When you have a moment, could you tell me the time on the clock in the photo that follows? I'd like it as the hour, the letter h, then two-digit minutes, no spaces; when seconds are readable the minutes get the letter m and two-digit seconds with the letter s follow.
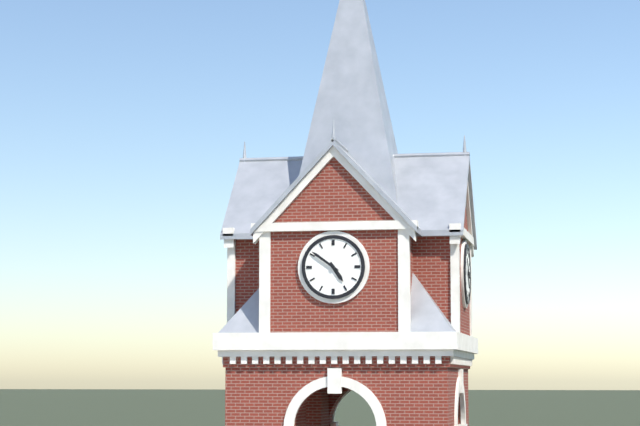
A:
4h51
